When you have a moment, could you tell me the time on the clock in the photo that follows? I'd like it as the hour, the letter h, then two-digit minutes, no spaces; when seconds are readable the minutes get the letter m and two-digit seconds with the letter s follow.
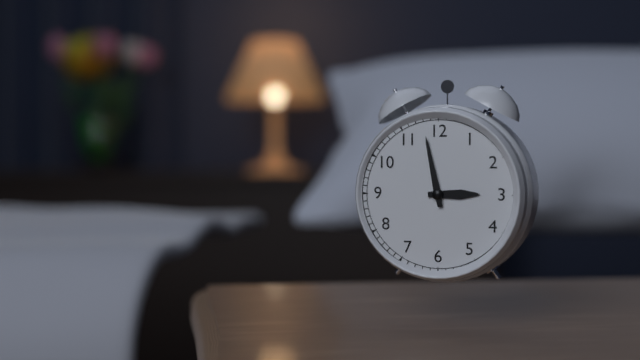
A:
2h58
